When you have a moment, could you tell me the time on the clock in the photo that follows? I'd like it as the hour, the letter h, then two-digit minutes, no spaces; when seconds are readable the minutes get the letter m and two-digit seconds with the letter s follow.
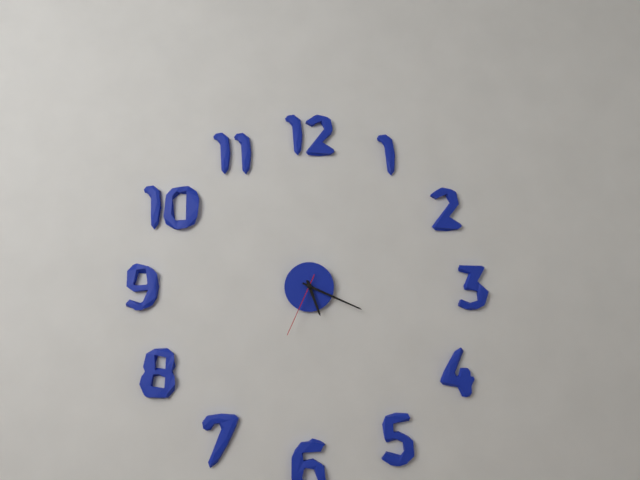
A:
5h19m34s
